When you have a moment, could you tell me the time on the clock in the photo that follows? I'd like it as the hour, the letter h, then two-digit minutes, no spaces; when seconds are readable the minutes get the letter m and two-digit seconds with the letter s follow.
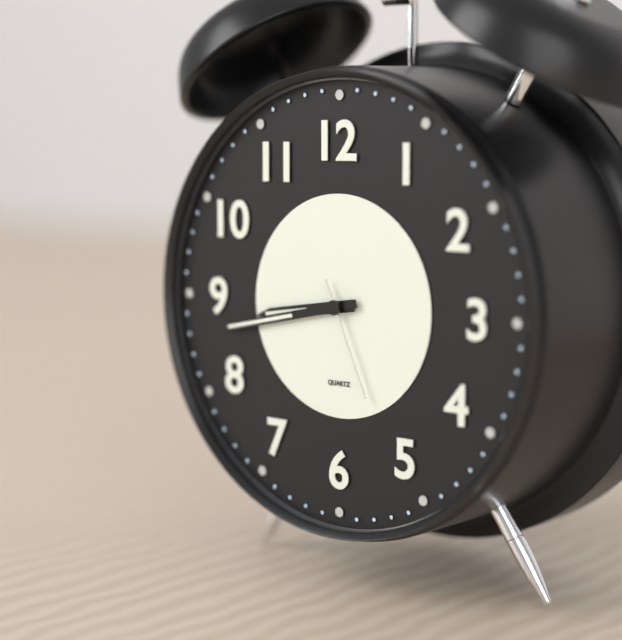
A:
8h43m26s
